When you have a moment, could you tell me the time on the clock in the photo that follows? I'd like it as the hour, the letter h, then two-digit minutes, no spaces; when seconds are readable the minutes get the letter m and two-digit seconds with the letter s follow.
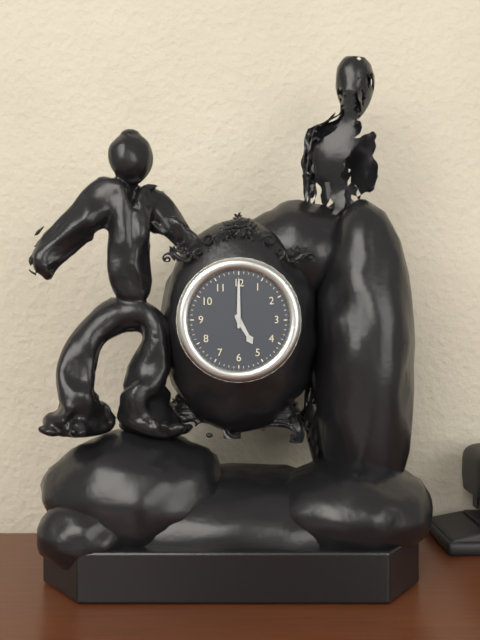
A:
5h00
